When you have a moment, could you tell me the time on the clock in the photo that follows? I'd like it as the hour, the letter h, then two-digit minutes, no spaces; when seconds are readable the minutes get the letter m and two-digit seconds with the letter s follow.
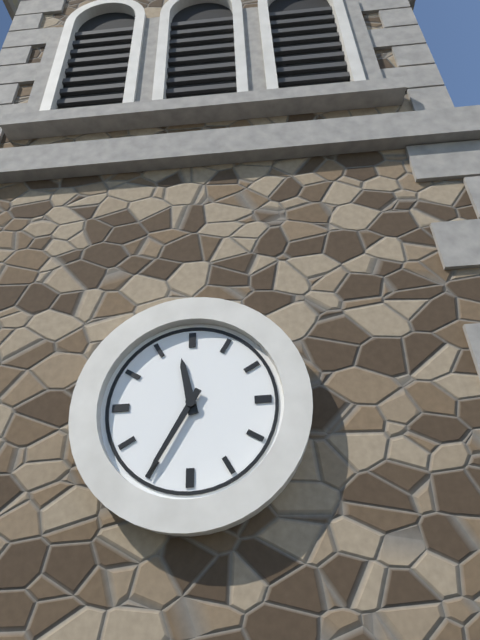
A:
11h35
